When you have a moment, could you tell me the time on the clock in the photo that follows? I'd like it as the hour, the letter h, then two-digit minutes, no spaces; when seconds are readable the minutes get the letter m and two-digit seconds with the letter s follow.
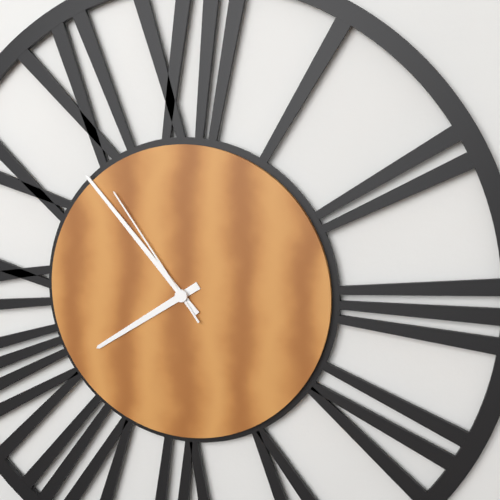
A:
7h53m54s
